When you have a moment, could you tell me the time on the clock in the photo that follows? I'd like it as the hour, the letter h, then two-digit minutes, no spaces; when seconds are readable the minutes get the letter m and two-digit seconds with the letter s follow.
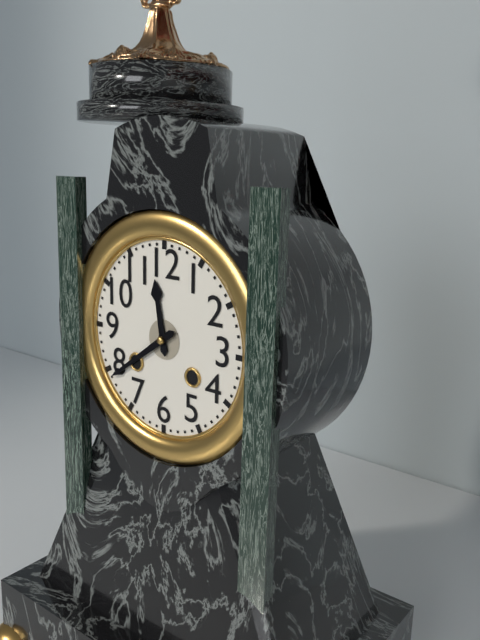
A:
11h39
